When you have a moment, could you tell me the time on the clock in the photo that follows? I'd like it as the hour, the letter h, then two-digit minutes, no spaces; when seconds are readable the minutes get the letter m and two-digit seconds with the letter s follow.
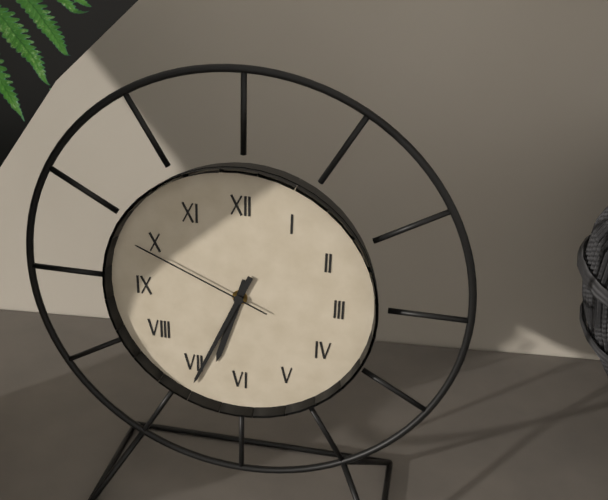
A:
6h34m49s
